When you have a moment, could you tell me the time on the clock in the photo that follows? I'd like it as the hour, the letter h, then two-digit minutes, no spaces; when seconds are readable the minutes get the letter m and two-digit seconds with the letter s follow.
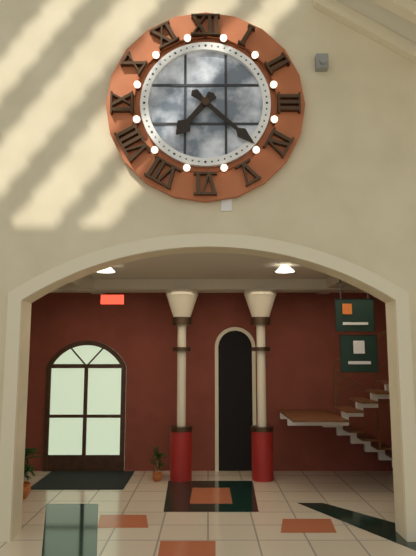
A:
7h22
